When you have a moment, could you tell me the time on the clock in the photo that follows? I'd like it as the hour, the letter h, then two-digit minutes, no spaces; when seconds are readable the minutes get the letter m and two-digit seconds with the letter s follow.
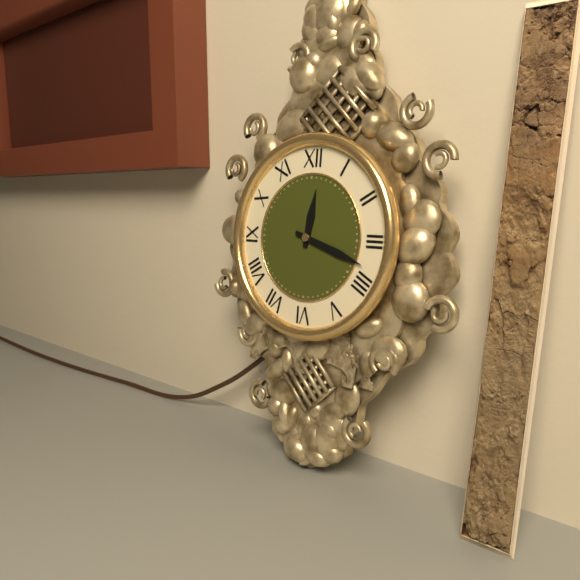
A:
12h18
